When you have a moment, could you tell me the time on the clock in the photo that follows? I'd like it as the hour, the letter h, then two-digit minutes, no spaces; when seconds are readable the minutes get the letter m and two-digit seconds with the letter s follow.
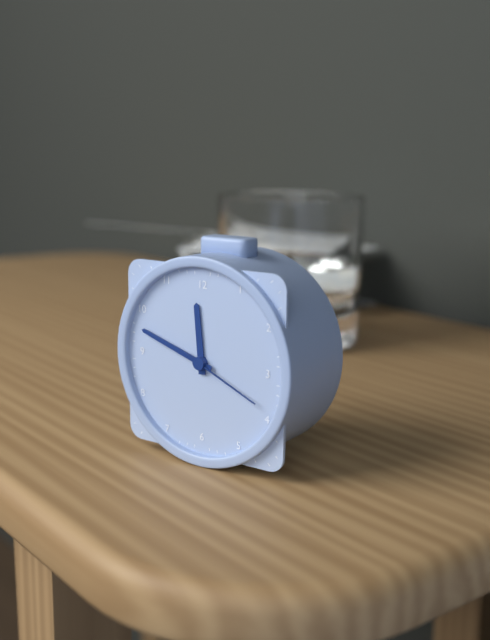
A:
11h48m19s
